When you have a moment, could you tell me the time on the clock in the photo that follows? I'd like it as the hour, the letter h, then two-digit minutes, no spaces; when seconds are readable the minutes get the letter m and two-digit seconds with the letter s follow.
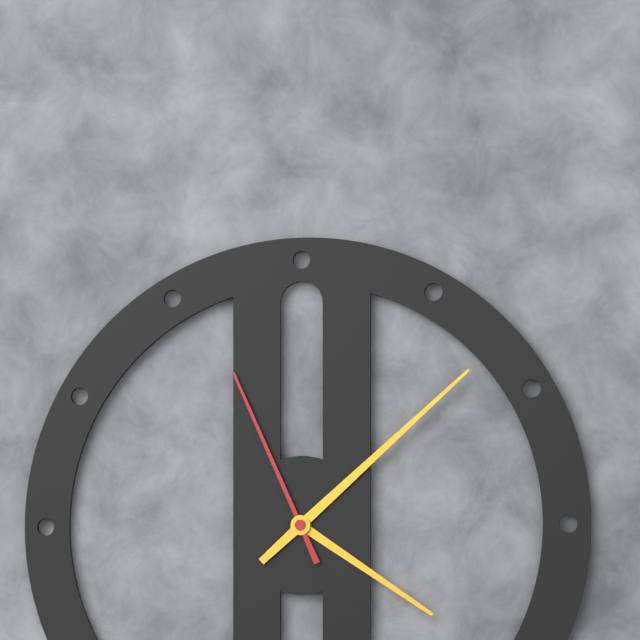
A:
4h08m56s
